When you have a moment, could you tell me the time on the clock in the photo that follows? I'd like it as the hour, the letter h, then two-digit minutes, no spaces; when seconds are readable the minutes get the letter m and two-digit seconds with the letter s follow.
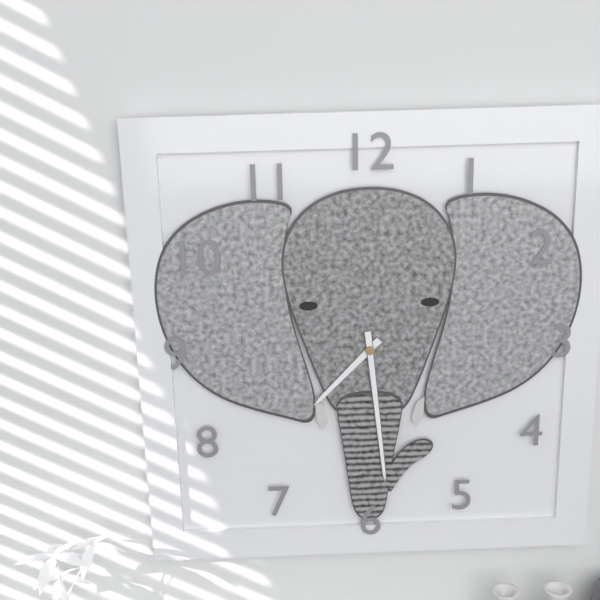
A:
7h29
